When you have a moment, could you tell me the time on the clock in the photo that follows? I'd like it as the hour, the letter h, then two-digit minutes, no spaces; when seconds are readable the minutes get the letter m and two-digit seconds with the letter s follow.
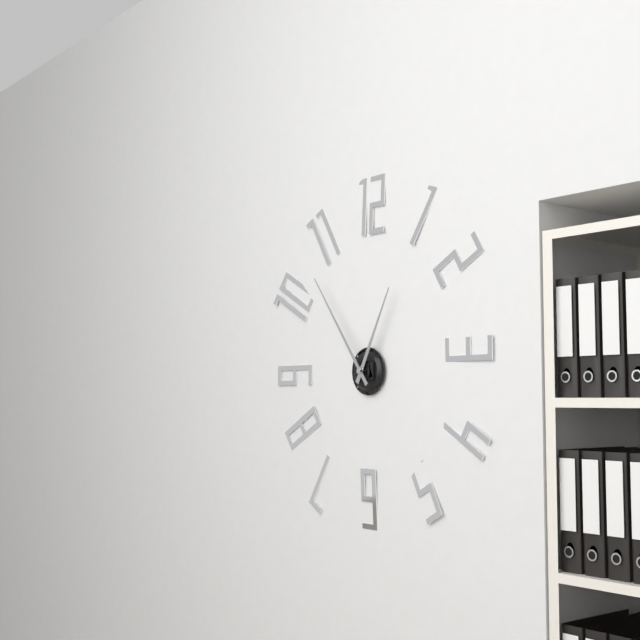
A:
12h54
